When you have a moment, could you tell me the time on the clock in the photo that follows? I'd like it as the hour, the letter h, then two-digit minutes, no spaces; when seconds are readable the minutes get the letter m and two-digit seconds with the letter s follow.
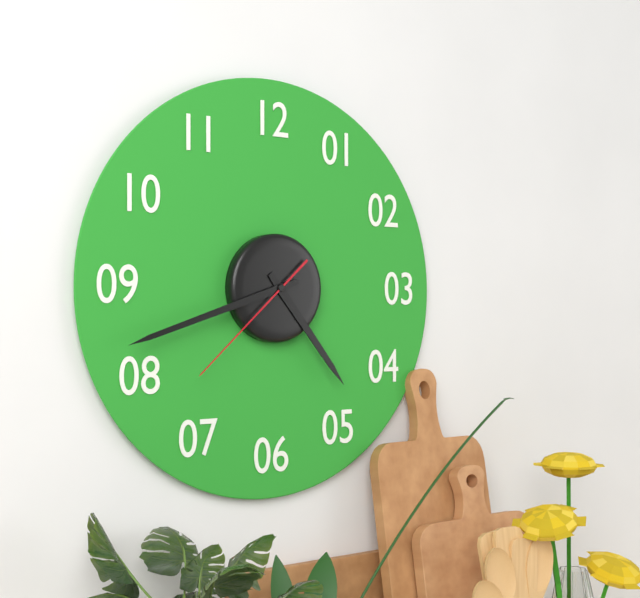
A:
4h42m38s
